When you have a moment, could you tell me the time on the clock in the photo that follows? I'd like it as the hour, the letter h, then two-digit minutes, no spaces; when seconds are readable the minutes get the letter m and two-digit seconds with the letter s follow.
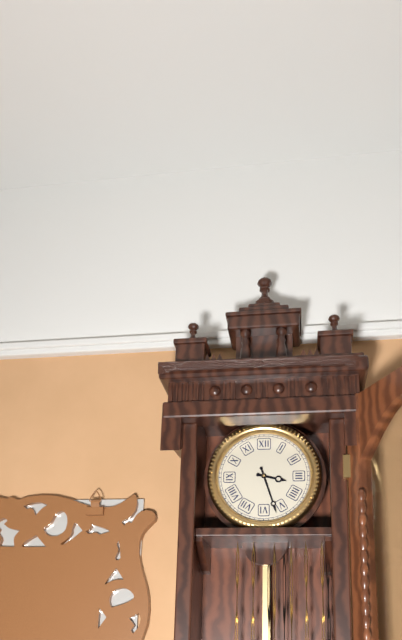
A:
3h27
